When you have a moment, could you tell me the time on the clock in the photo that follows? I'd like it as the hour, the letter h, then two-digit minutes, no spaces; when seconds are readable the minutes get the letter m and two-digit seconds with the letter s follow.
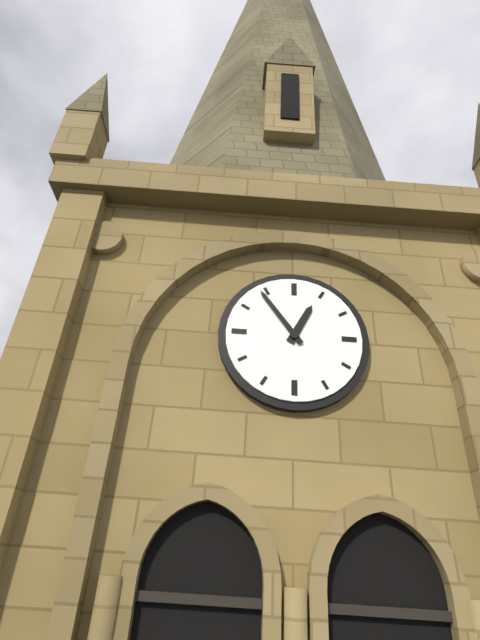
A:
12h54
